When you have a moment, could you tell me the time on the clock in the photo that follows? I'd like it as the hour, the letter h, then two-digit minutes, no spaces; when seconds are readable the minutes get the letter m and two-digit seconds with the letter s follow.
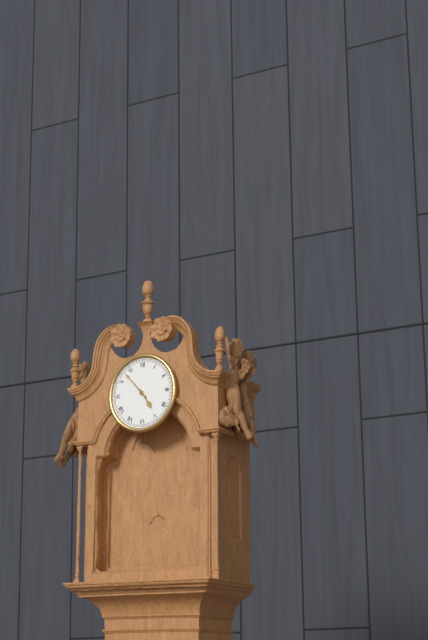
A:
4h53
